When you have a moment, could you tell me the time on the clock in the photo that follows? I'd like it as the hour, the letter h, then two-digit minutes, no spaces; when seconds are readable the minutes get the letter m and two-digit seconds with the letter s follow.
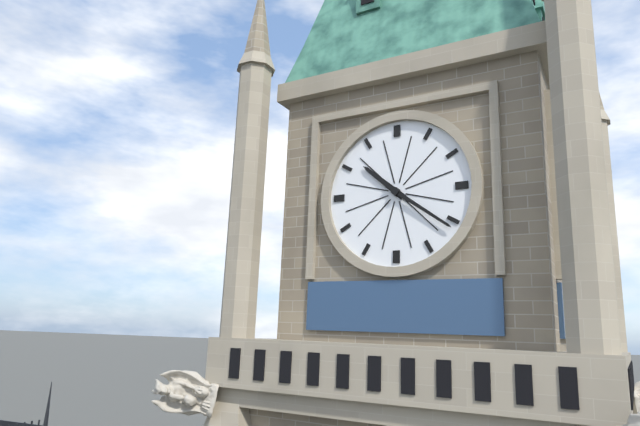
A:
10h21
